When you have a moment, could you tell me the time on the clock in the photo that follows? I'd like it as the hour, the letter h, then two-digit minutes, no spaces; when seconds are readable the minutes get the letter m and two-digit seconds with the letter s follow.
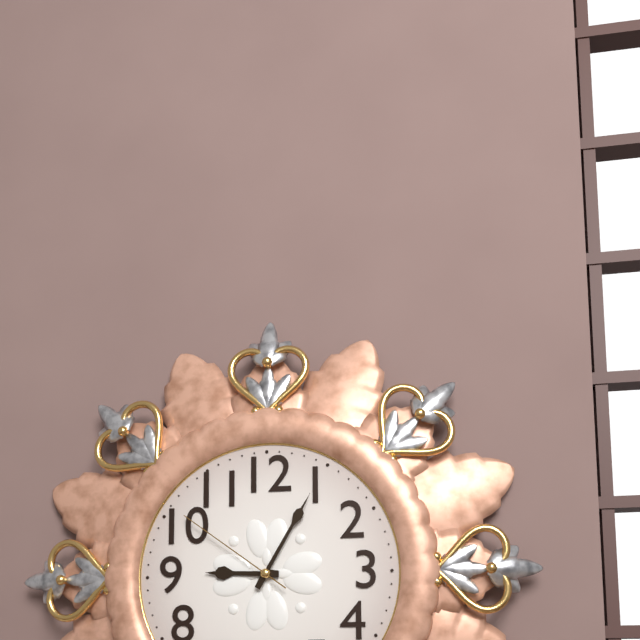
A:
9h05m51s
